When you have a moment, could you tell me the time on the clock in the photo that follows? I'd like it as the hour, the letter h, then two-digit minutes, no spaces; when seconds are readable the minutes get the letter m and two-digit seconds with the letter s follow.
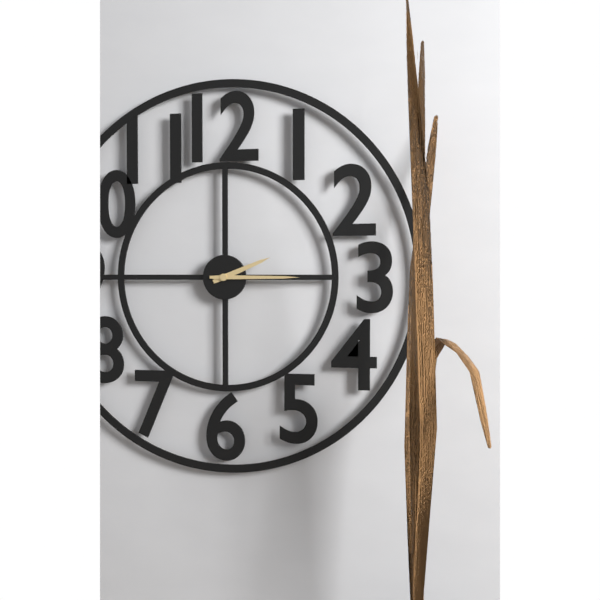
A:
2h15
